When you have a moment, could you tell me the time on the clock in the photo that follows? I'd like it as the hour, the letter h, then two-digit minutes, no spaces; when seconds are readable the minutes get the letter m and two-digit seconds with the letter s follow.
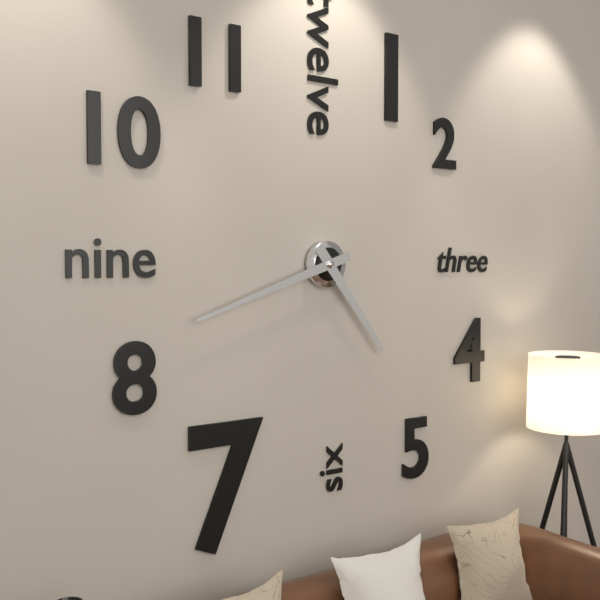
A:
4h42
